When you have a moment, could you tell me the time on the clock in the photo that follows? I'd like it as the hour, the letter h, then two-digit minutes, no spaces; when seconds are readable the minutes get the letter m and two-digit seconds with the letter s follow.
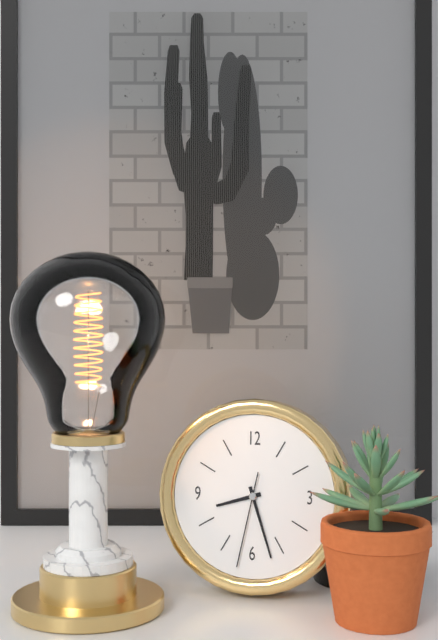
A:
8h27m32s
